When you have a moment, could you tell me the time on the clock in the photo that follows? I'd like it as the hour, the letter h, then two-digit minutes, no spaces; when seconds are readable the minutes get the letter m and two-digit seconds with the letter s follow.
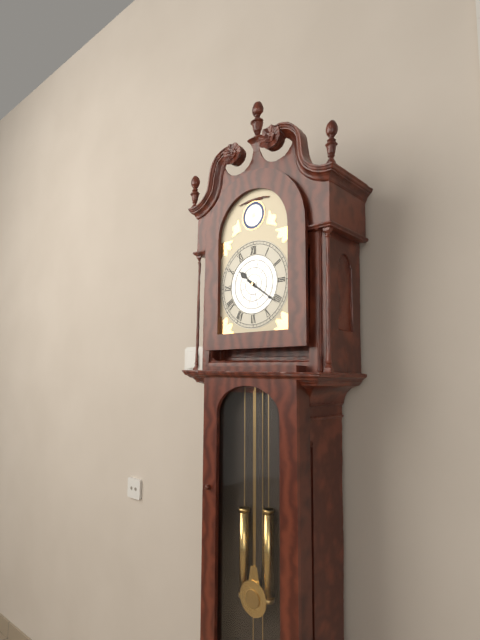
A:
10h21
